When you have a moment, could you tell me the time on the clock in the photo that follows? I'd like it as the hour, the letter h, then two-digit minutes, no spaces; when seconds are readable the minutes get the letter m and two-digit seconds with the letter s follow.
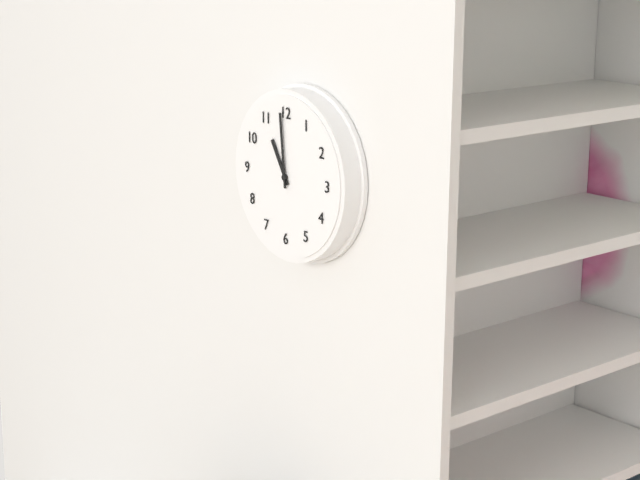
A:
10h59
